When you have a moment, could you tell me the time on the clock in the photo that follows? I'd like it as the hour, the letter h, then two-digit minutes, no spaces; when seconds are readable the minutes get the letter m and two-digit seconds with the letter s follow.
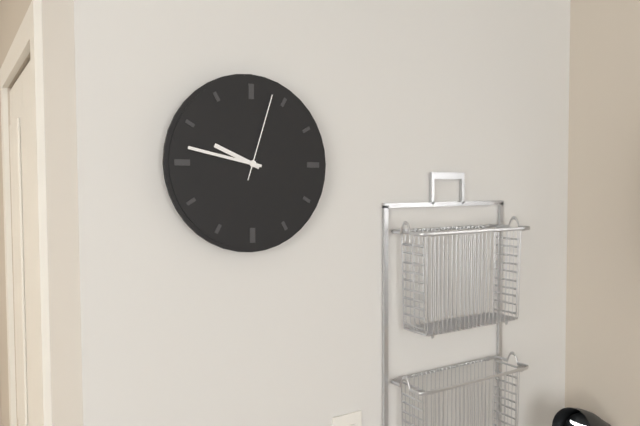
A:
9h47m03s
